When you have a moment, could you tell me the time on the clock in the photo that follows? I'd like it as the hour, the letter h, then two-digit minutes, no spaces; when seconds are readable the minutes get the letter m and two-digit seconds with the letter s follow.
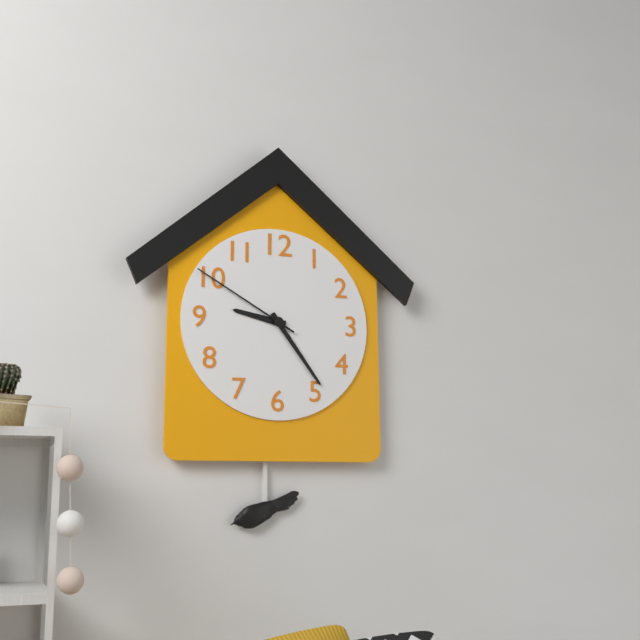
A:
9h24m50s
